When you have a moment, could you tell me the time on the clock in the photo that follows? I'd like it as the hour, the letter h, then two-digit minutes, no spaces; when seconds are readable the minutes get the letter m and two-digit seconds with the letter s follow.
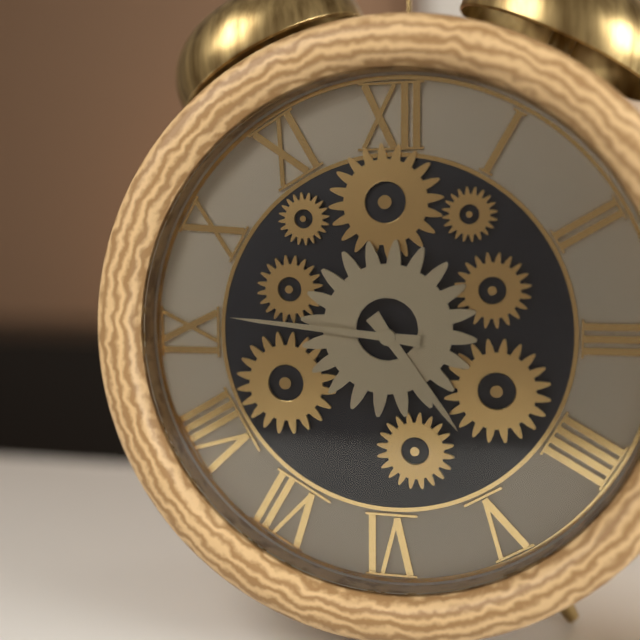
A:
4h46
